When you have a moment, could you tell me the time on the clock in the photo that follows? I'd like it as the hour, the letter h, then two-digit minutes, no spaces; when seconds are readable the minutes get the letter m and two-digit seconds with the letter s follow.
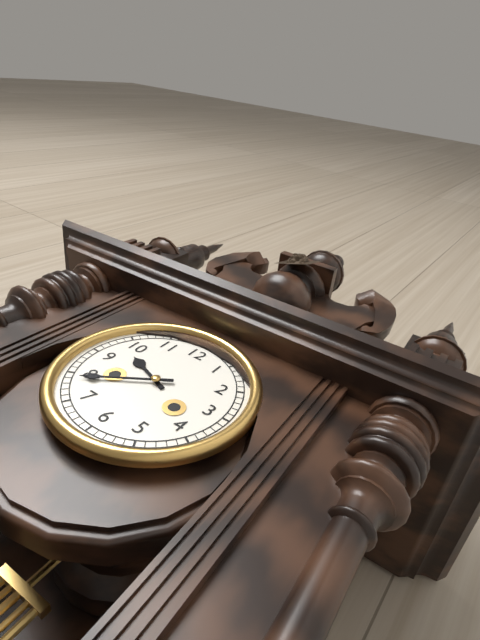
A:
9h39
